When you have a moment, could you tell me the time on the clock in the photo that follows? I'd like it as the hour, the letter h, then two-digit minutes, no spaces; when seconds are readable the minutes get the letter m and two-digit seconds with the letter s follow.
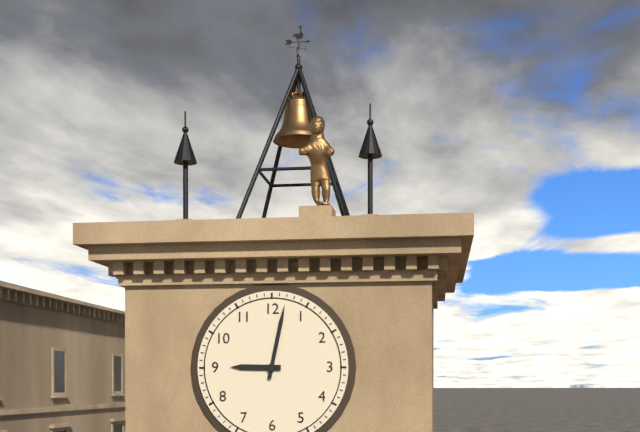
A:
9h02
